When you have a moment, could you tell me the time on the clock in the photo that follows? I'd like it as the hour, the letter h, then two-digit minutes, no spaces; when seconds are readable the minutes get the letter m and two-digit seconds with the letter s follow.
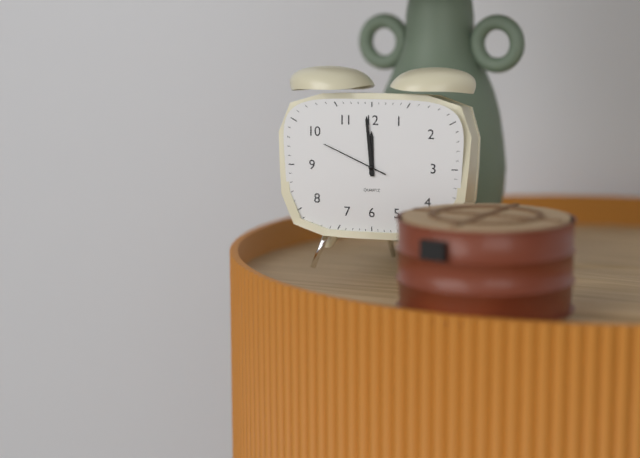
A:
11h59m49s
